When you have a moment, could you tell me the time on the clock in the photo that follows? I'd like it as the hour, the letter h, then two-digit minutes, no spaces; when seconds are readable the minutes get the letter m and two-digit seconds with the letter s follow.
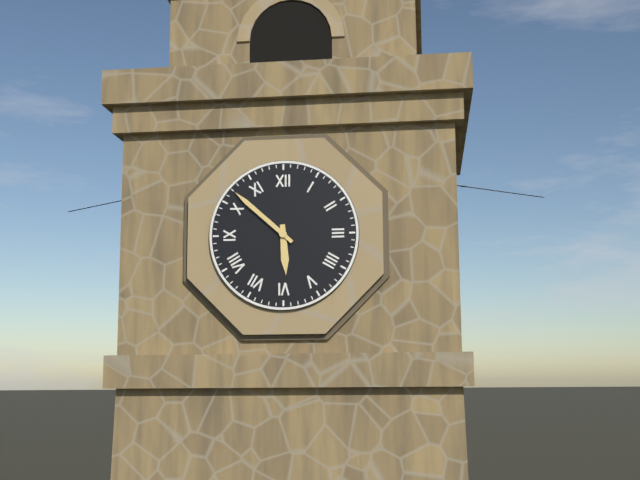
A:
5h52
